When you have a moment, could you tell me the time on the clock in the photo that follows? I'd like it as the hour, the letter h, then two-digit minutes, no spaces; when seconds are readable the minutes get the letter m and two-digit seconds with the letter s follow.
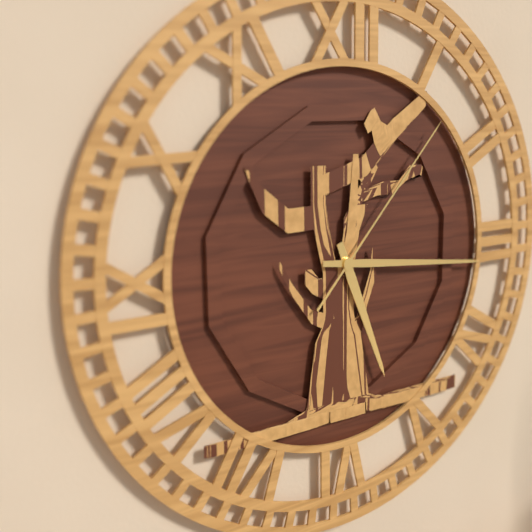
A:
5h16m07s
